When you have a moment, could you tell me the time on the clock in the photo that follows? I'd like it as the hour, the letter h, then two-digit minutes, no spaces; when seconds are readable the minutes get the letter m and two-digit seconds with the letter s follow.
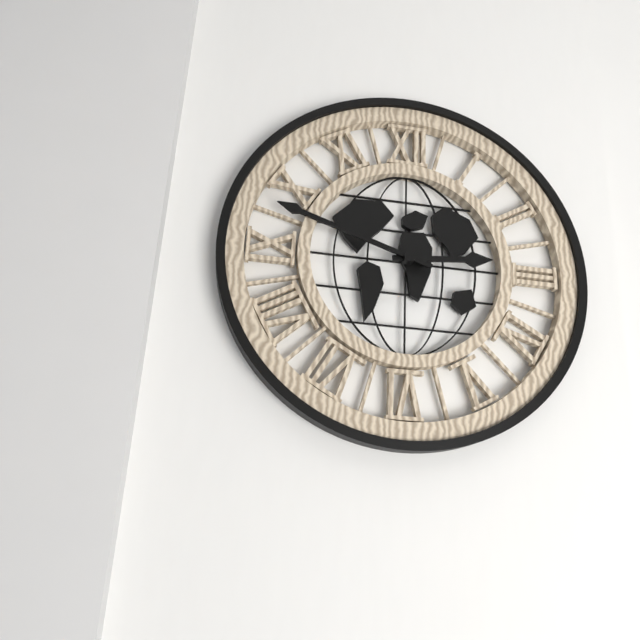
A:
2h48
